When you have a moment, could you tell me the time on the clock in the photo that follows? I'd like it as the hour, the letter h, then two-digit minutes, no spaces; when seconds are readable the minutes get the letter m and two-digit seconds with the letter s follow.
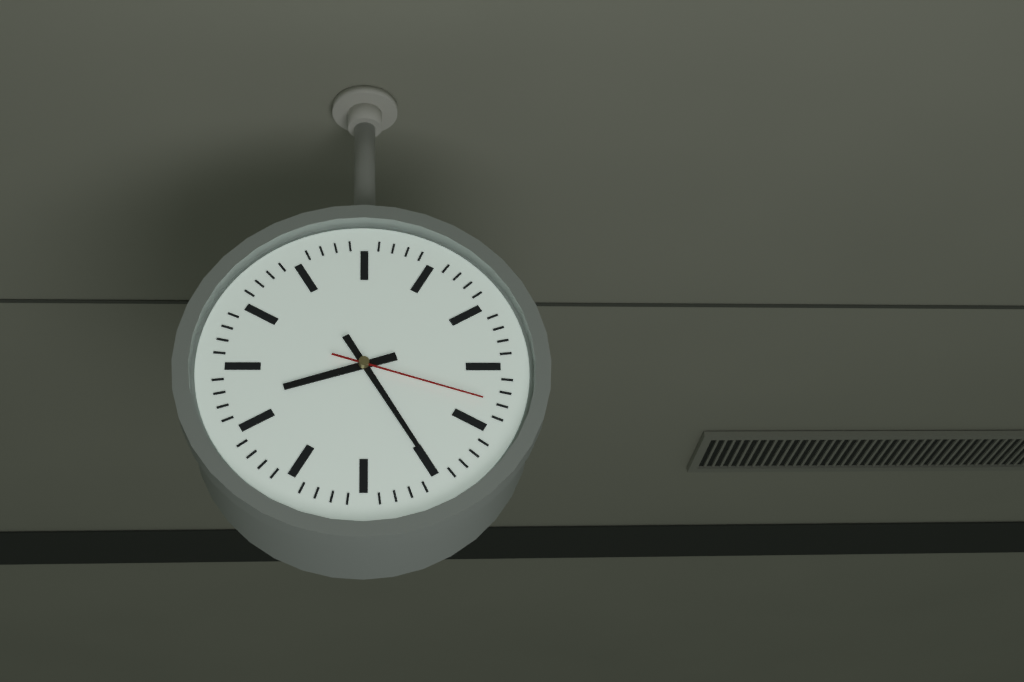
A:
8h25m18s
